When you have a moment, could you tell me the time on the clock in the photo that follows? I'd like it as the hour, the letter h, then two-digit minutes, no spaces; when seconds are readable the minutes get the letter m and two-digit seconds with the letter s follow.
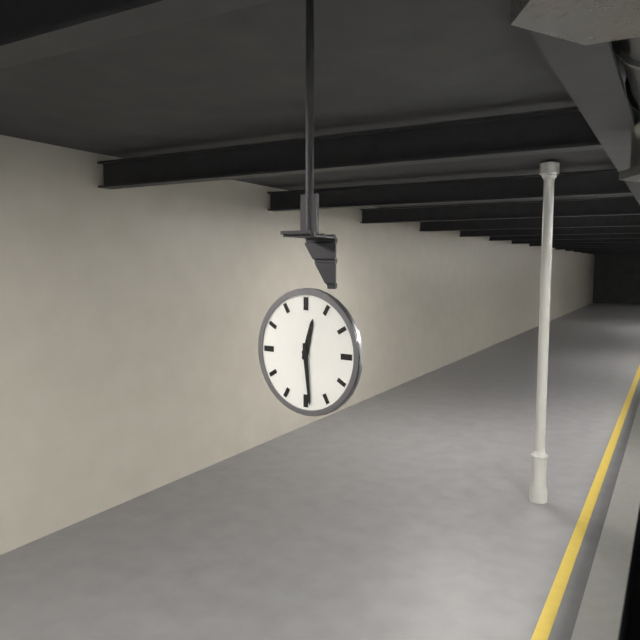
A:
12h29
